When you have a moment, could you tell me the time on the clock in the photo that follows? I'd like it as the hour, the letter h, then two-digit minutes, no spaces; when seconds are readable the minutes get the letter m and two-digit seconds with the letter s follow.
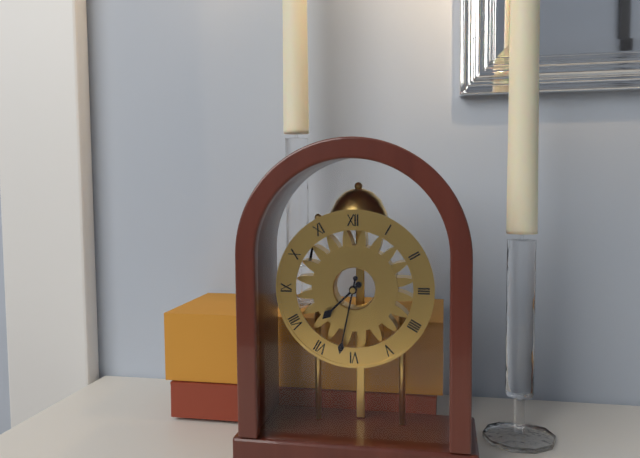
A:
7h32
